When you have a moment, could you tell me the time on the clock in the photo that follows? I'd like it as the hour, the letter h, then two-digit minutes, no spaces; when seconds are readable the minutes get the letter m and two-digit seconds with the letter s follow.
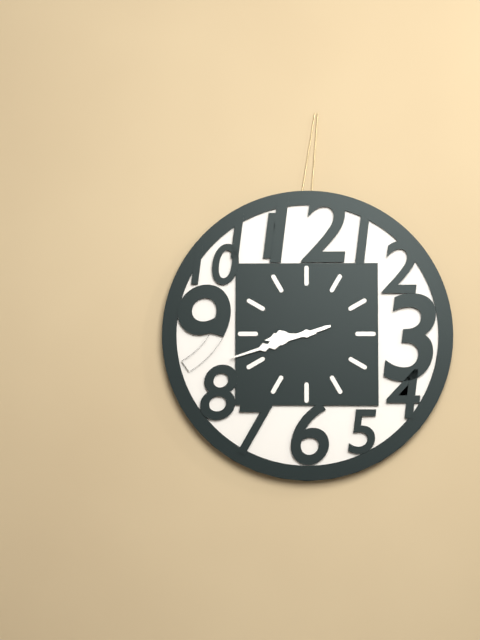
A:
8h42
